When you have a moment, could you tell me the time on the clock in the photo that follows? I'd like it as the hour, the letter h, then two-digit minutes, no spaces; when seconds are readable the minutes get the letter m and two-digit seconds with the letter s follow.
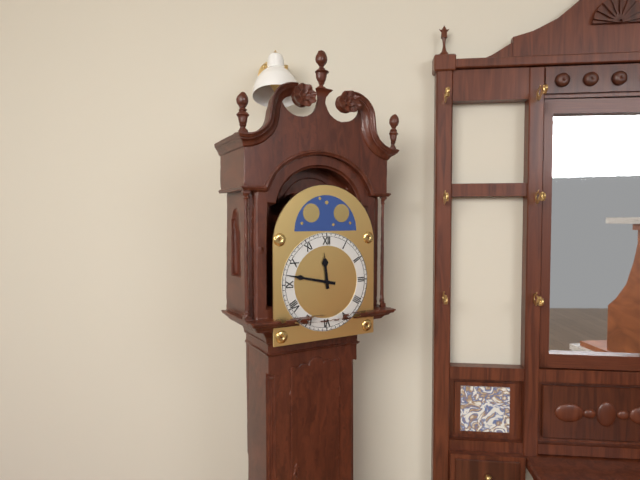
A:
11h47
